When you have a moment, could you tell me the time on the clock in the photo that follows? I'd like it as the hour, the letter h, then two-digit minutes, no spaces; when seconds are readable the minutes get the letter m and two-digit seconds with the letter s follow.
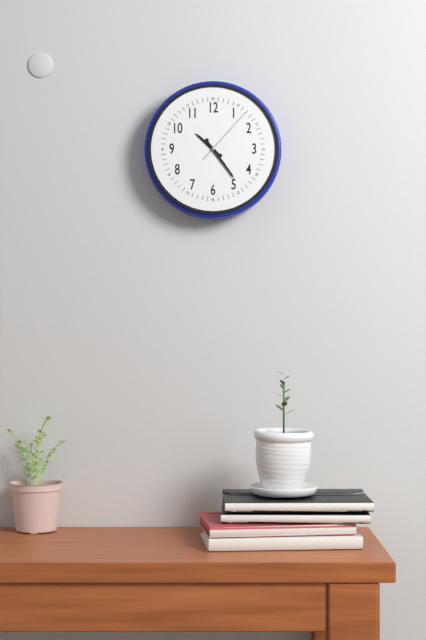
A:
10h24m07s
